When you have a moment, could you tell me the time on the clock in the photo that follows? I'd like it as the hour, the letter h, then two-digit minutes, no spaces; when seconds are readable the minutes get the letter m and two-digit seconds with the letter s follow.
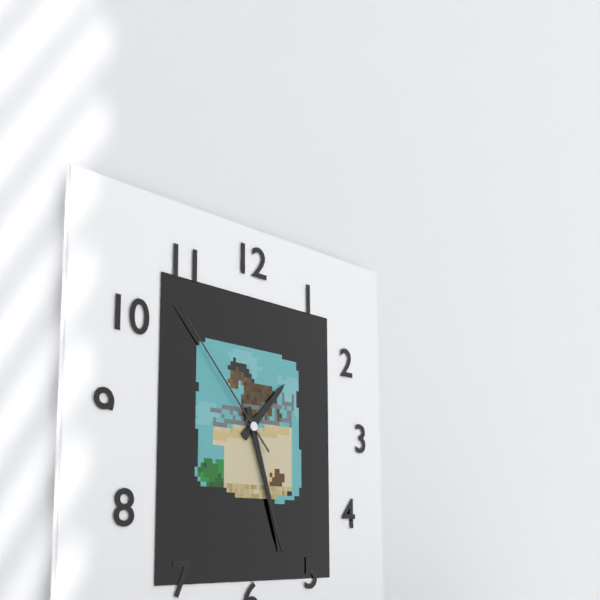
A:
1h27m53s
